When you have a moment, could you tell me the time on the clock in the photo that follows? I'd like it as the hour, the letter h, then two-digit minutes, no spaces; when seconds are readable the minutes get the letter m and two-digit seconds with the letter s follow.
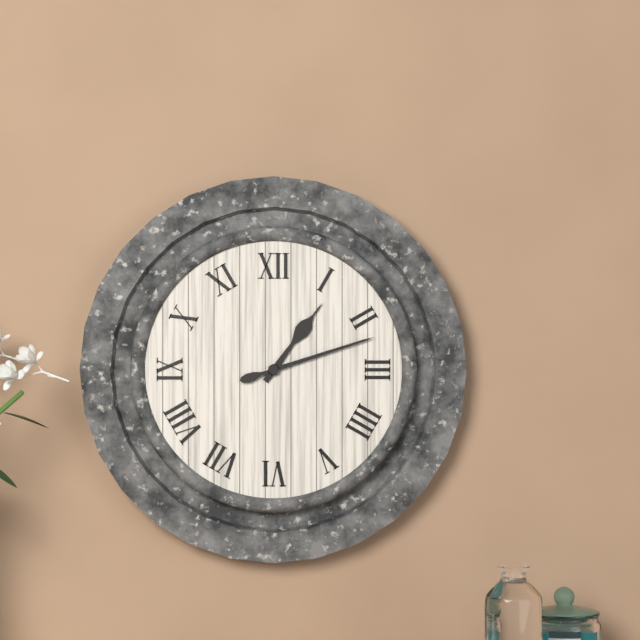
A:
1h12
